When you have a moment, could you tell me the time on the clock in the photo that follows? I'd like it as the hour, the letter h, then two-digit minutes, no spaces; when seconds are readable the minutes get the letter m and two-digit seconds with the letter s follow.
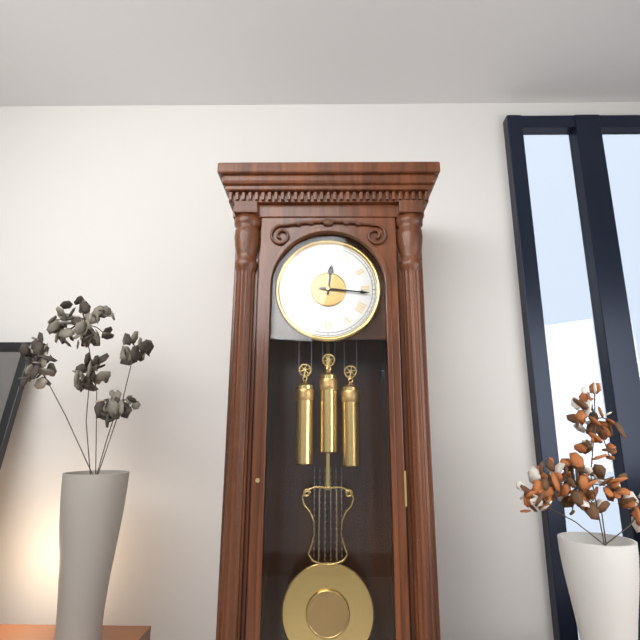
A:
12h16
